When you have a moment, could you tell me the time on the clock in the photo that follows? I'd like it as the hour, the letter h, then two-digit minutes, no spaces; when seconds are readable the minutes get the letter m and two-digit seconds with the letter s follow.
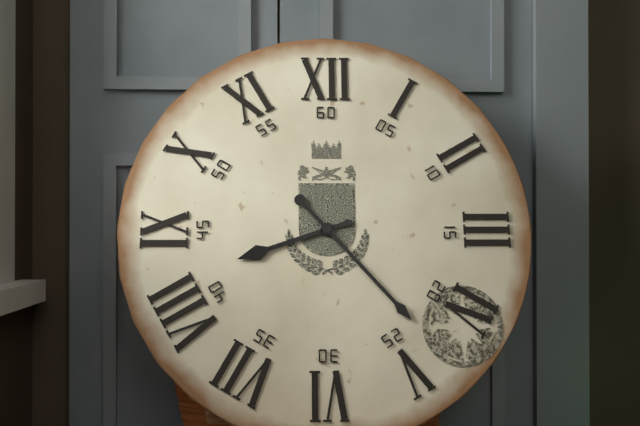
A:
8h23
